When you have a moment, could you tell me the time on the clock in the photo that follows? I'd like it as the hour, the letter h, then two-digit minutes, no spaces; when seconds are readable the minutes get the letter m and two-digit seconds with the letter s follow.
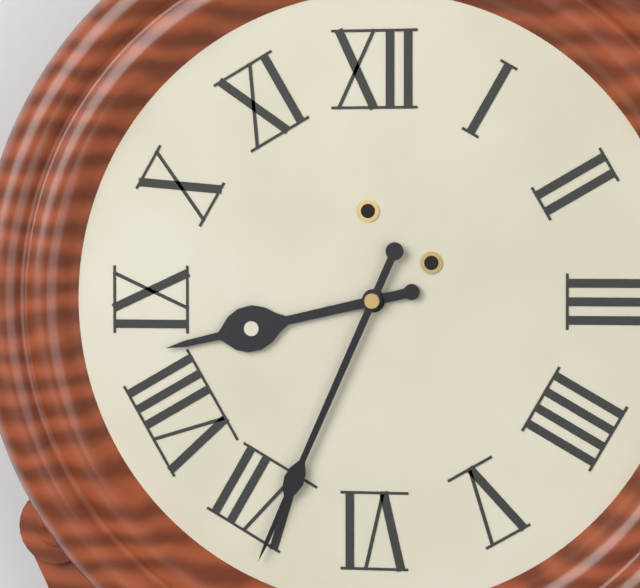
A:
8h34
